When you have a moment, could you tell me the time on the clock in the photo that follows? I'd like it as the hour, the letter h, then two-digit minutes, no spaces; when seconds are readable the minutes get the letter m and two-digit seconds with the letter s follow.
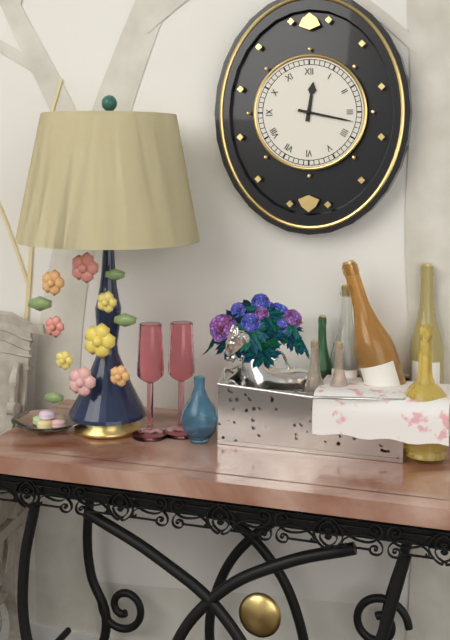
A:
12h17
